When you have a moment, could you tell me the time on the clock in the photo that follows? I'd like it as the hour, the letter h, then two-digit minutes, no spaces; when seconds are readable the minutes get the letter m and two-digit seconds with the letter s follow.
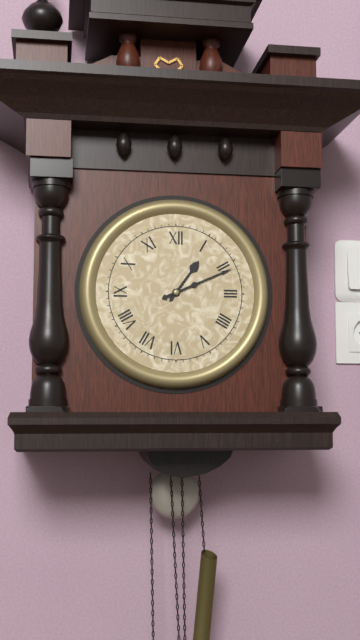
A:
1h11
